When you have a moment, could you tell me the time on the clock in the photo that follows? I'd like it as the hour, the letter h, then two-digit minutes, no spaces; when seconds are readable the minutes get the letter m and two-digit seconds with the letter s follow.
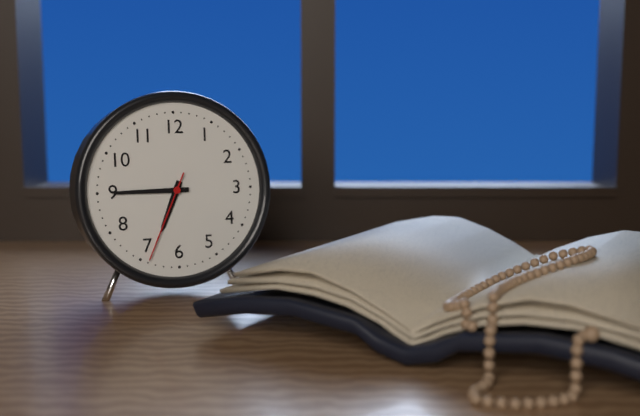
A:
6h45m34s
